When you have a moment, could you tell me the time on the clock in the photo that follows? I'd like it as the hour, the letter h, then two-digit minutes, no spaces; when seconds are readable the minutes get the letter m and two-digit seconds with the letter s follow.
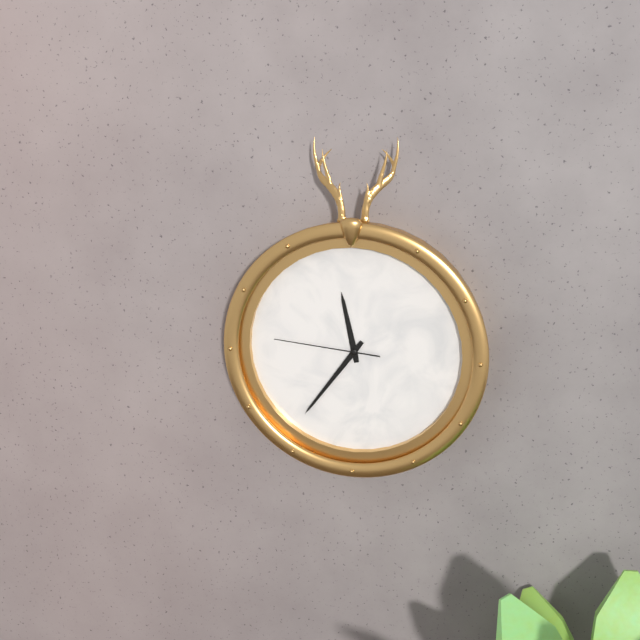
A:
11h36m46s
